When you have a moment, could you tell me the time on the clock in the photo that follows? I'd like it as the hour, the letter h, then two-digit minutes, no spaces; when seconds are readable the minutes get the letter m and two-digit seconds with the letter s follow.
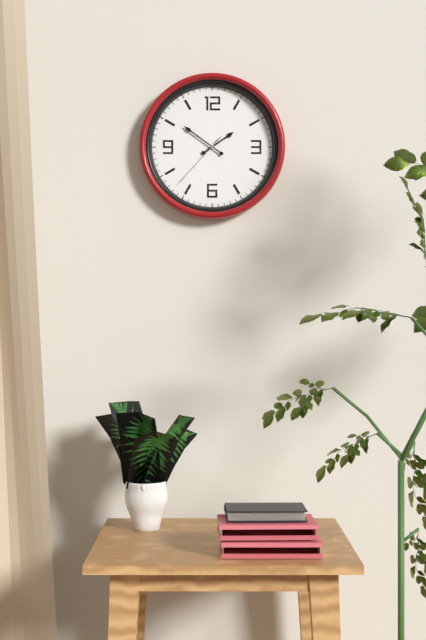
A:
1h51m37s
